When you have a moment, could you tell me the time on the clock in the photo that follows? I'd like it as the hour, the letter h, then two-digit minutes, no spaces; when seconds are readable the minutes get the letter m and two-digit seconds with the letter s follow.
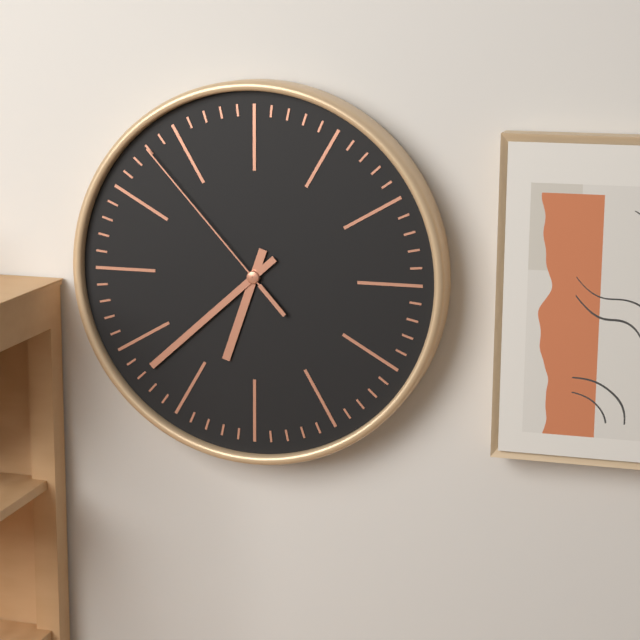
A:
6h38m53s
